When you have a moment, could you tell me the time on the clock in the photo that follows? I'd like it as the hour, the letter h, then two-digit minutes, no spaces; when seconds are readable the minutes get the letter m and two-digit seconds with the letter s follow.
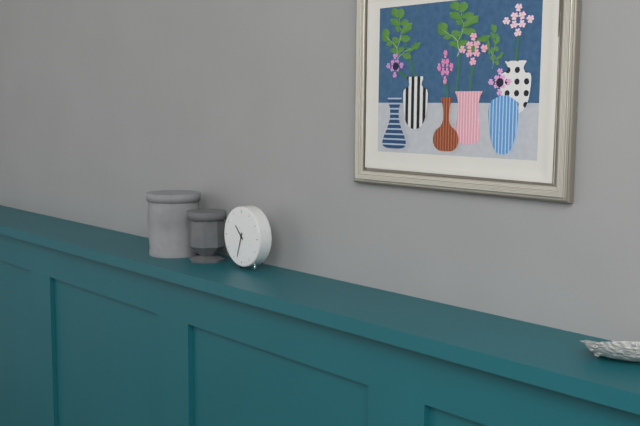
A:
10h33
